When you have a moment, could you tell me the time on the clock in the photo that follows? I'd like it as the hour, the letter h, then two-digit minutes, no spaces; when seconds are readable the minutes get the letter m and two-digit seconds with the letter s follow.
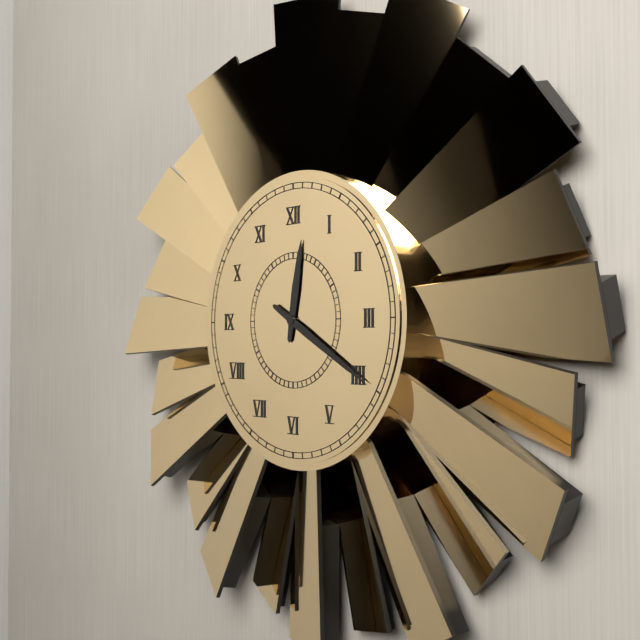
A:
12h20
